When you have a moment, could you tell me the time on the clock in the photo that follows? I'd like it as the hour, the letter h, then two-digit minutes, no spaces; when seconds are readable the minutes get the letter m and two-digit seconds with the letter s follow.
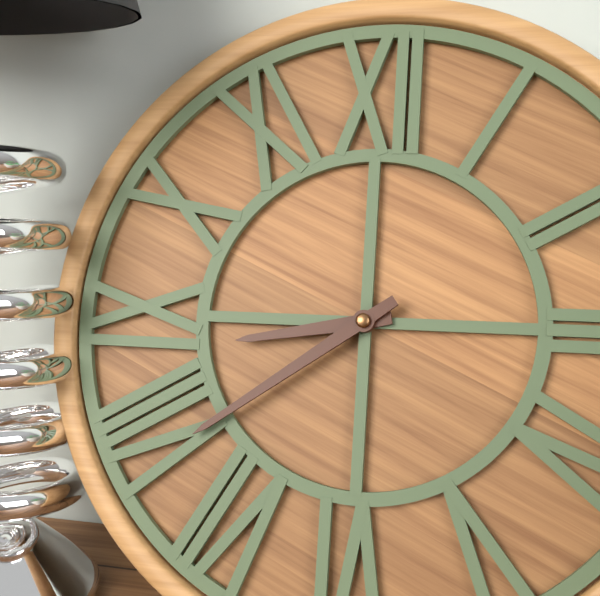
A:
8h39
